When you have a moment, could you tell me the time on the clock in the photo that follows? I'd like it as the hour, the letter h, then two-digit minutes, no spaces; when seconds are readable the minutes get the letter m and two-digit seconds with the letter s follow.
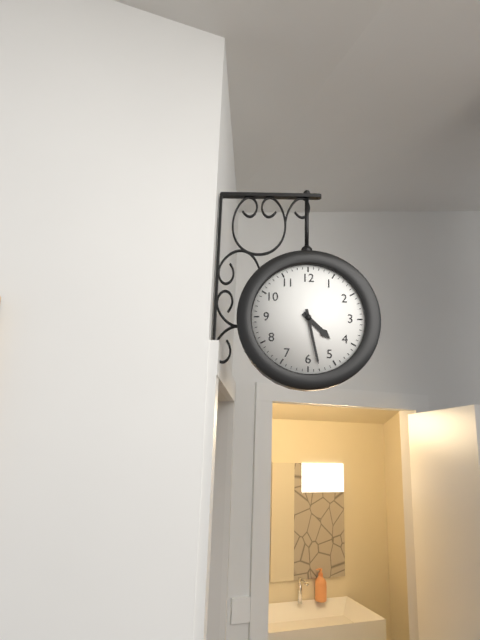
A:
4h28
